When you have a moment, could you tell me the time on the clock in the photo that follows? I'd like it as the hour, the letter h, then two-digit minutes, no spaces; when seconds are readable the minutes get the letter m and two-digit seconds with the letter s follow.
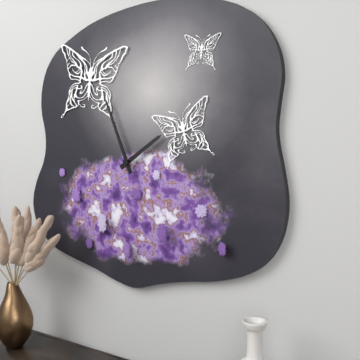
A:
1h56
